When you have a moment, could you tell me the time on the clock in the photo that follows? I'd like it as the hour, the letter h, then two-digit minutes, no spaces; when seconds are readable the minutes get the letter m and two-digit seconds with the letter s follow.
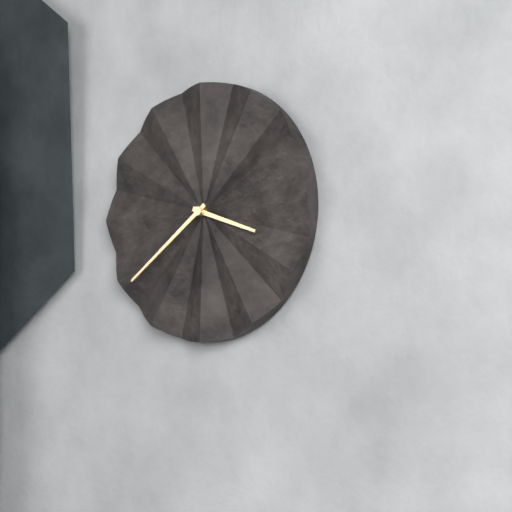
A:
3h39
